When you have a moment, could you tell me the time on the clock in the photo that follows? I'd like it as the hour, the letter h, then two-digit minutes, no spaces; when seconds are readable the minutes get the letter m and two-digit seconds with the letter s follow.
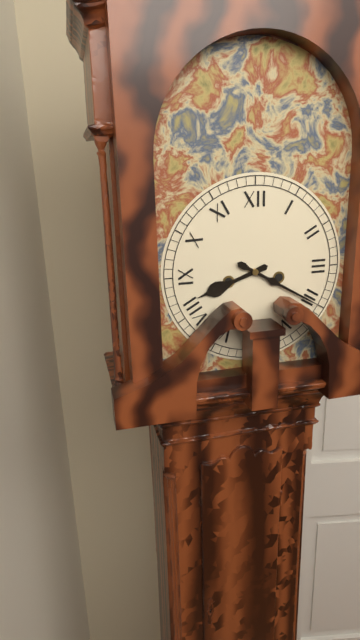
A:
8h20
